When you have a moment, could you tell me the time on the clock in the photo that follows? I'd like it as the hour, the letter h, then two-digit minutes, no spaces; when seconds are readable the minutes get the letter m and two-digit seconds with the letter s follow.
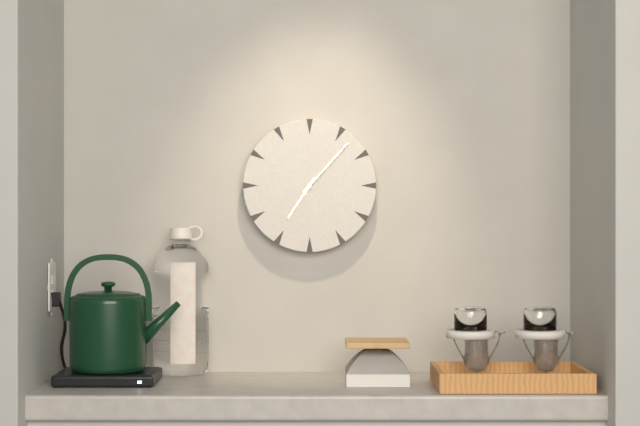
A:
7h07
